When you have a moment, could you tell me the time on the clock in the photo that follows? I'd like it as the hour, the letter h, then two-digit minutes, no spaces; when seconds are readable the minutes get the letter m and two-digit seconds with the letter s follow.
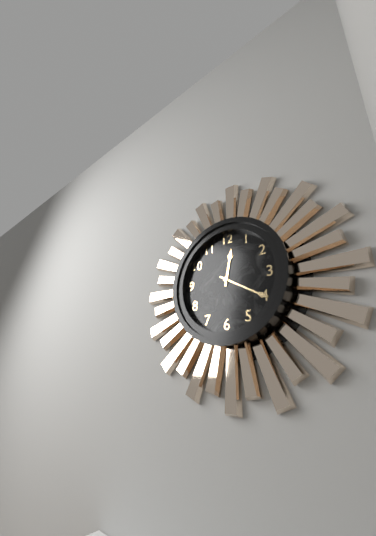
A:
12h20
